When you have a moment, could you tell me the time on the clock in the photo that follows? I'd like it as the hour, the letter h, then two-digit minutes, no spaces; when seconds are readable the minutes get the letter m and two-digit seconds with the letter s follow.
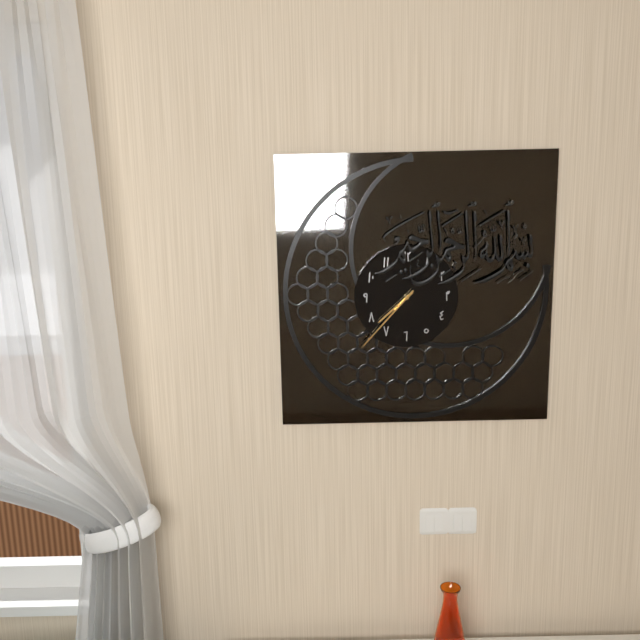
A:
7h37
